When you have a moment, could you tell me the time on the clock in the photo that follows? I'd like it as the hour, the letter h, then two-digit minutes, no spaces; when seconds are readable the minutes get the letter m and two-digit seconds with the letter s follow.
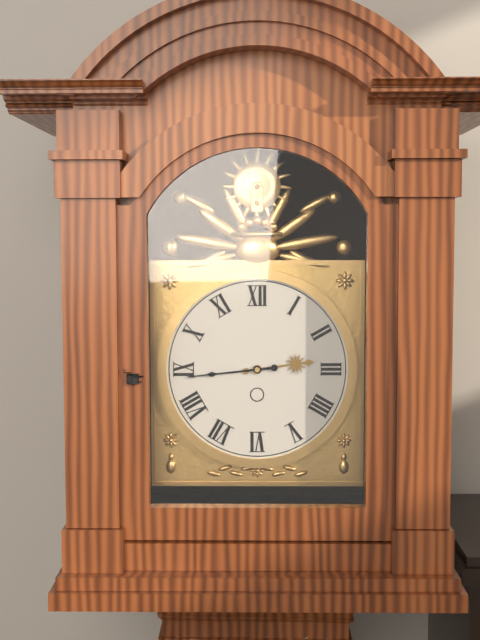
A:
2h44
